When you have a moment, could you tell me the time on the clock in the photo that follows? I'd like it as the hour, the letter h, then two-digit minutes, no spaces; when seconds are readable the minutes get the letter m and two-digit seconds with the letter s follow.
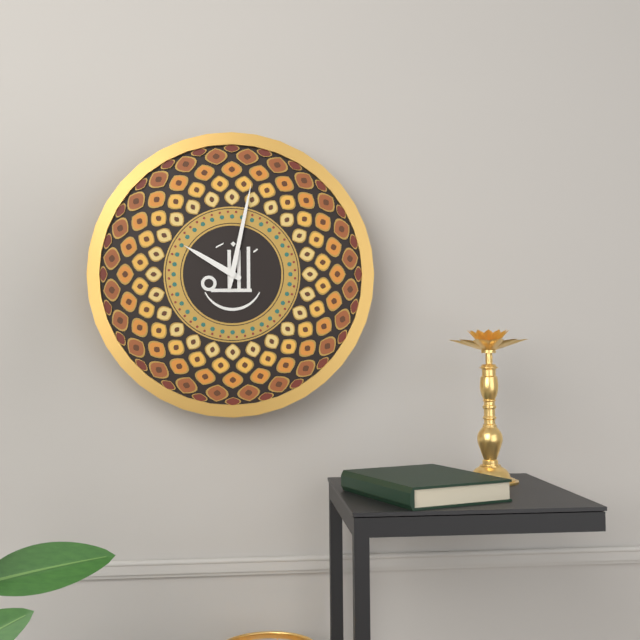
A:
10h02
